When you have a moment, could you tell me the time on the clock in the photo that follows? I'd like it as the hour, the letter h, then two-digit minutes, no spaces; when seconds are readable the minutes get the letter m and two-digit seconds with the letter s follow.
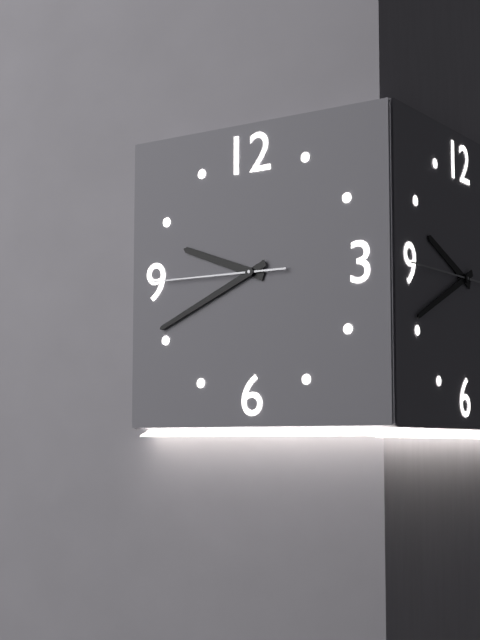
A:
9h41m45s
